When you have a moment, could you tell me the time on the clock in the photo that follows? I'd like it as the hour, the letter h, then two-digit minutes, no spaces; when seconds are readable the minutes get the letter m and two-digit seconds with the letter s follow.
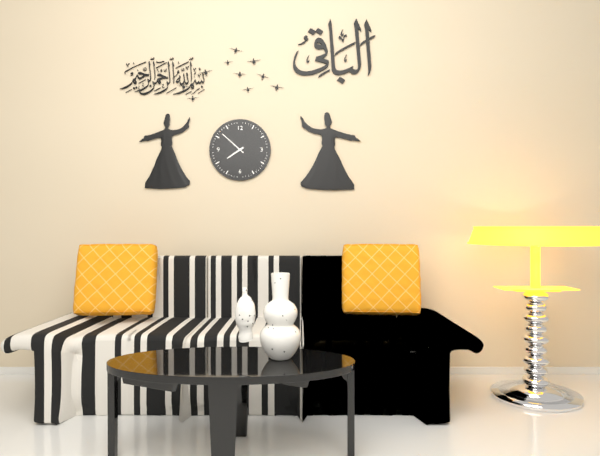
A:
7h52
